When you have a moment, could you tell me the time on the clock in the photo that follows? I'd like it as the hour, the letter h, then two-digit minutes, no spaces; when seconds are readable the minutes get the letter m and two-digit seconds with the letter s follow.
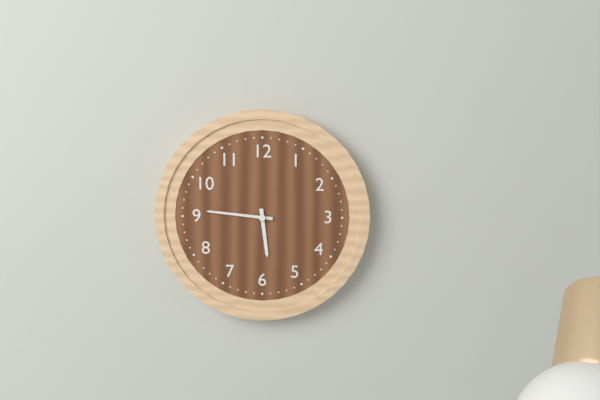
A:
5h46
